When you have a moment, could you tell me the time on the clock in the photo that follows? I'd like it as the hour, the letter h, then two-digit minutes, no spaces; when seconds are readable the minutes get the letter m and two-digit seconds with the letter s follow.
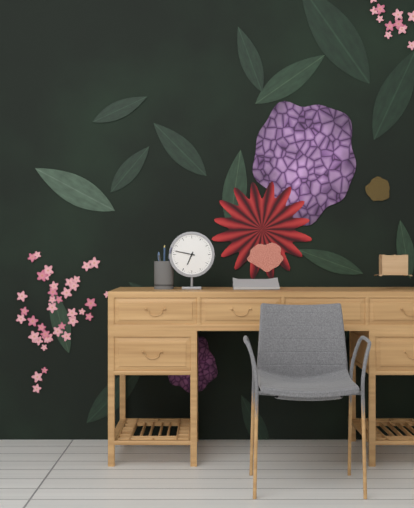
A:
6h47
